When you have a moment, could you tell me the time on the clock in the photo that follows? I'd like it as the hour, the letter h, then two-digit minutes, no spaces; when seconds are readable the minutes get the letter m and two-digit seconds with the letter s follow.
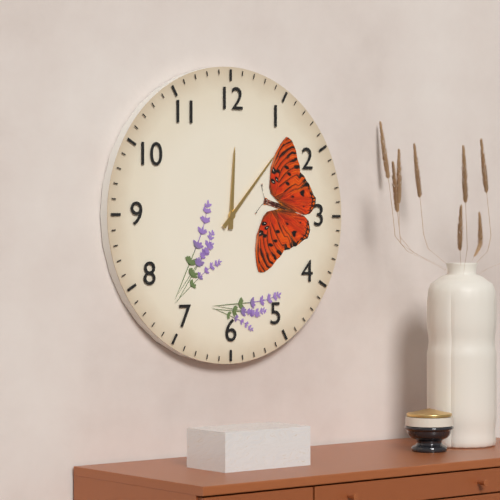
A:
12h07
